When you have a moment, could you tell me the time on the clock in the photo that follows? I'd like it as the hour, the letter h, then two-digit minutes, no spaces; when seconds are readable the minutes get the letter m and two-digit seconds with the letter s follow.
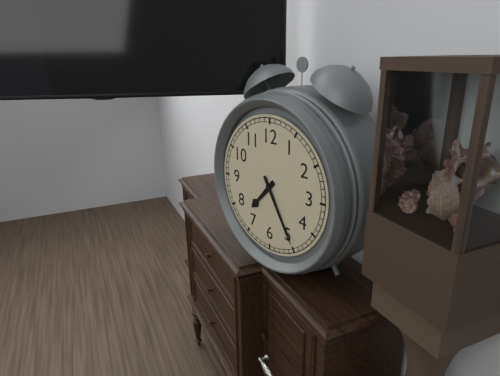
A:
7h25
